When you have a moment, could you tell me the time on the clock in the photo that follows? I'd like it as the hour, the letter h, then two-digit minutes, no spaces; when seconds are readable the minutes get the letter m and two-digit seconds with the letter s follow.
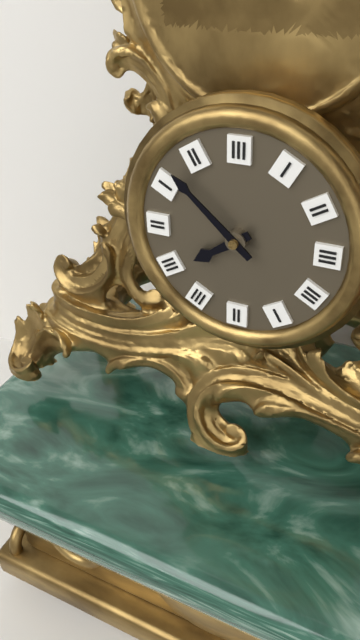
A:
7h52
